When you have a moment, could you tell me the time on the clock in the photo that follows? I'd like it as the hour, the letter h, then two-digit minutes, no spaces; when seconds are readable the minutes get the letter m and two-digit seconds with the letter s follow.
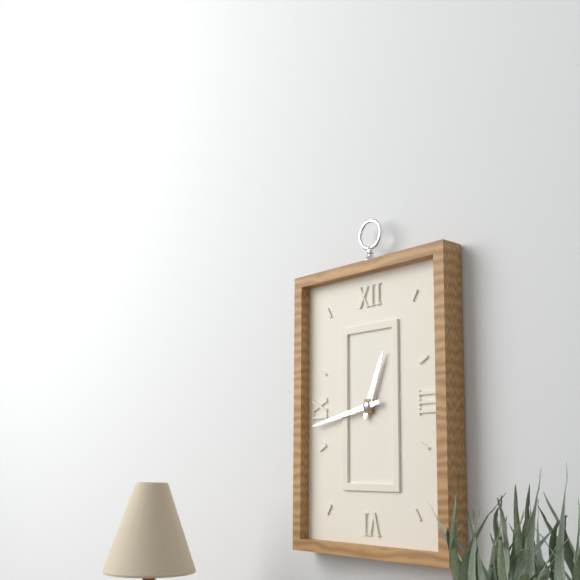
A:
12h43
